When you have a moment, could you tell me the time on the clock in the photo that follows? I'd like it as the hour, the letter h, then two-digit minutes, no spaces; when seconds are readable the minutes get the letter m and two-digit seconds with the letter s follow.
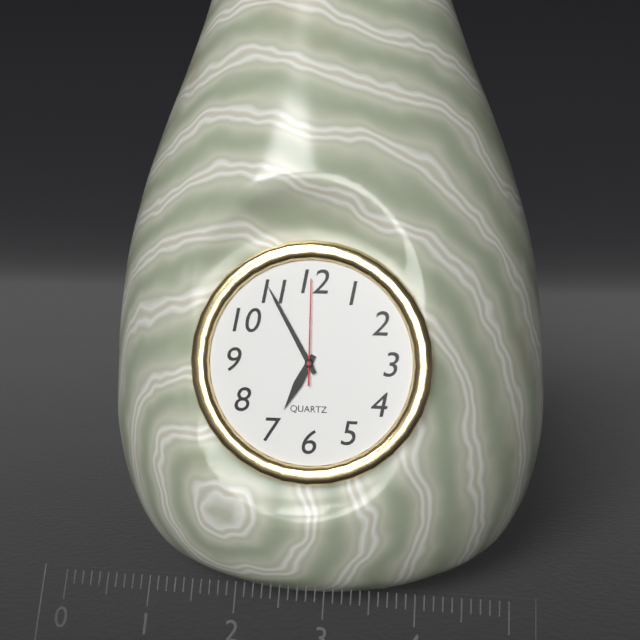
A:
6h55m00s
